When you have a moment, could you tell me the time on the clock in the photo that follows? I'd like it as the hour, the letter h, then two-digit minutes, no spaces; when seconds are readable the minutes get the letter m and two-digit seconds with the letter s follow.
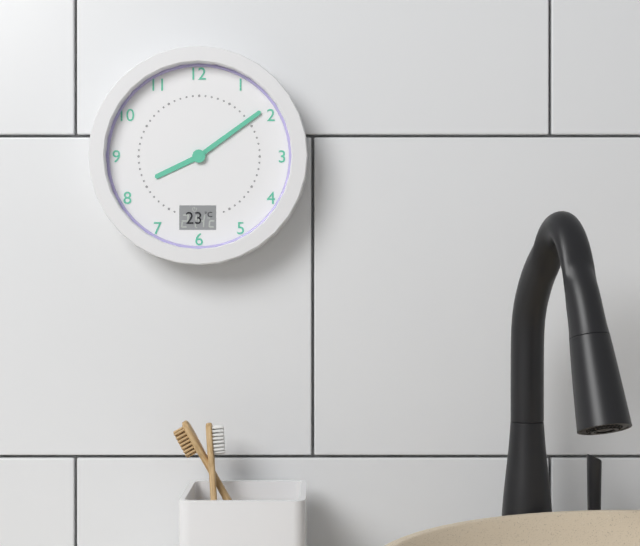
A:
8h09
